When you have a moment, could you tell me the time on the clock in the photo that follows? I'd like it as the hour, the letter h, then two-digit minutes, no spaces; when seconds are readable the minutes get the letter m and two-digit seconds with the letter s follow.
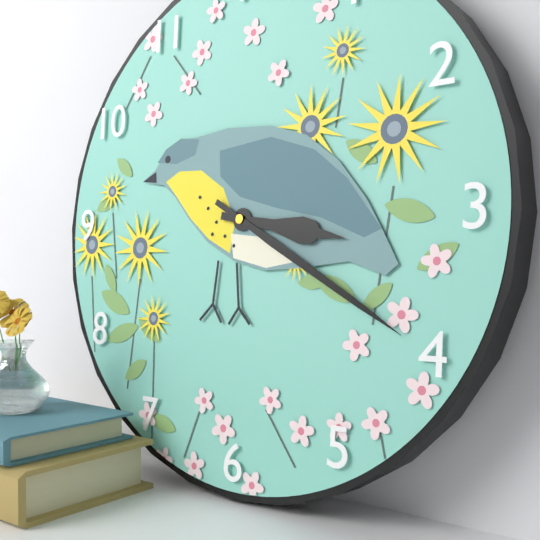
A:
3h20
